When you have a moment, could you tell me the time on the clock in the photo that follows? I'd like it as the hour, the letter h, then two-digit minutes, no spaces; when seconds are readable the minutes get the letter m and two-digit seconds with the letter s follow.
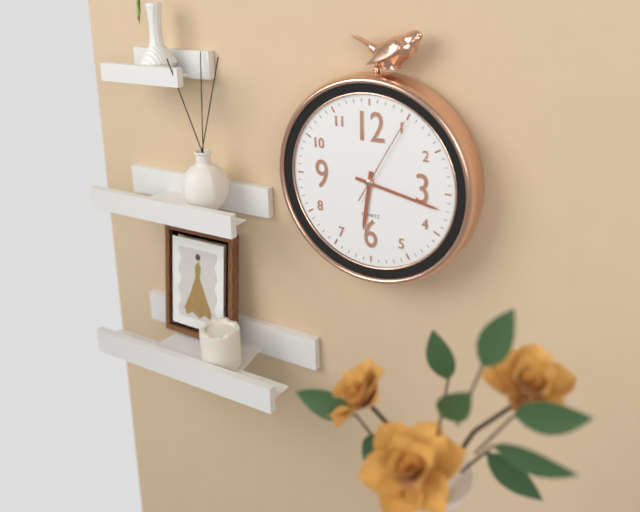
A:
6h17m05s
